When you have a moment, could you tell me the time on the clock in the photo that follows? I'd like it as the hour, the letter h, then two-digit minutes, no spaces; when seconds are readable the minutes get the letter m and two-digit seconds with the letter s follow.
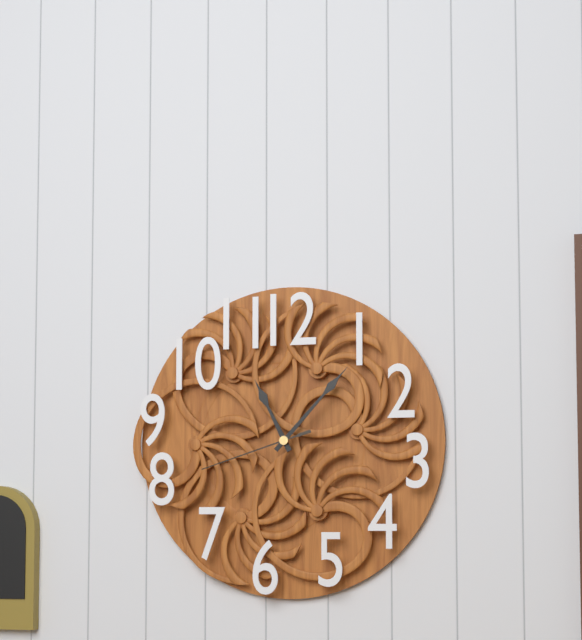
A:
11h07m42s
